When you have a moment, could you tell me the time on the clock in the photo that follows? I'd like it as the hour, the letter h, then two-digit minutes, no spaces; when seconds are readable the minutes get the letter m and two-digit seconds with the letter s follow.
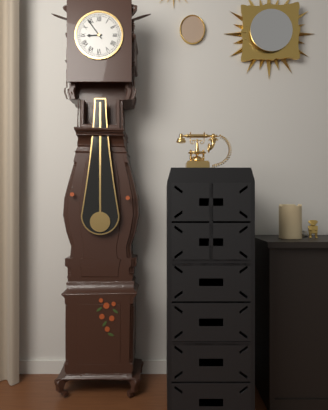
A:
8h54
